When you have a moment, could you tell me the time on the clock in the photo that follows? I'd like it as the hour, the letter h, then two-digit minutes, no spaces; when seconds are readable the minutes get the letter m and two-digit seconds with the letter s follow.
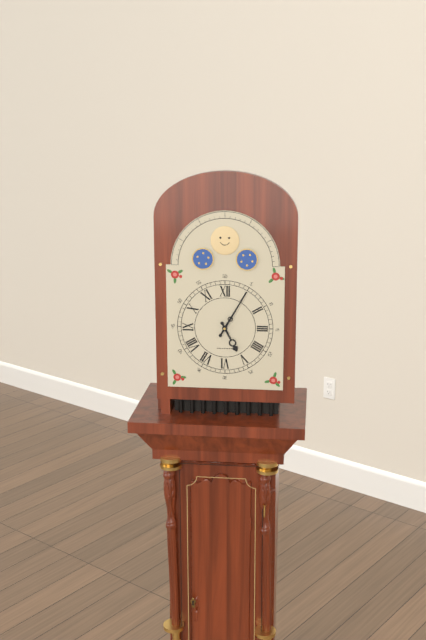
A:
5h05
